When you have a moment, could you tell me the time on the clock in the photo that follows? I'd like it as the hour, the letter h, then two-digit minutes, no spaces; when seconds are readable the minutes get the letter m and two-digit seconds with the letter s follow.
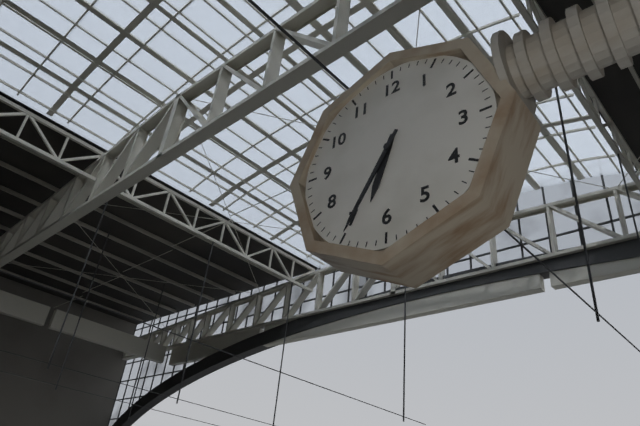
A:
6h35
